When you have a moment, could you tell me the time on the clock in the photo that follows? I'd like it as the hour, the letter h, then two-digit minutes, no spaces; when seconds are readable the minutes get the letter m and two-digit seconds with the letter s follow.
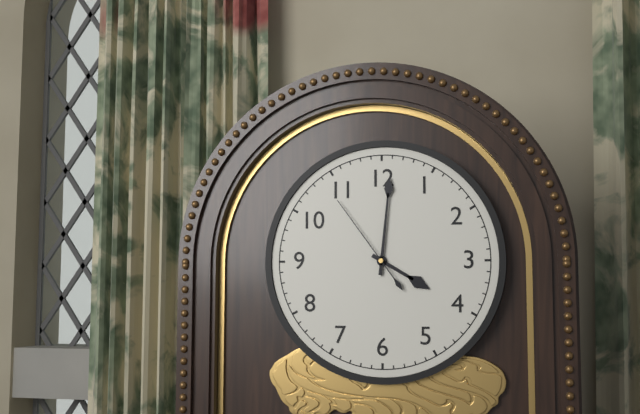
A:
4h01m54s
